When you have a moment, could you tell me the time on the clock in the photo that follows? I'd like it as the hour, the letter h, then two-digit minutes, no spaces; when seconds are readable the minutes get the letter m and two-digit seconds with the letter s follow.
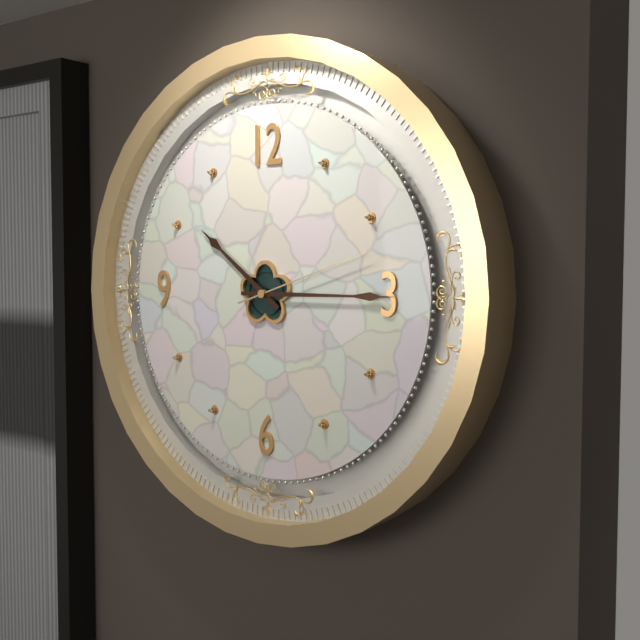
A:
10h15m12s
